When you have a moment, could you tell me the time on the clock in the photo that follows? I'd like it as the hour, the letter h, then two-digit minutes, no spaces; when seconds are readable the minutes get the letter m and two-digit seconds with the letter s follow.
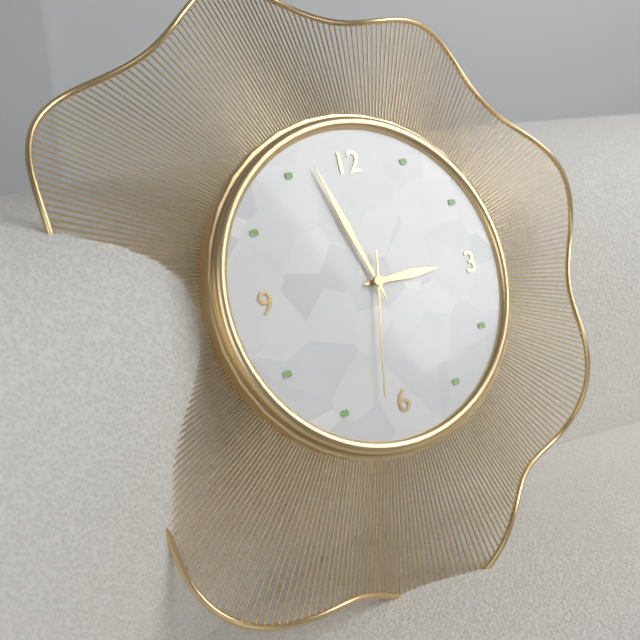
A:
2h57m32s
